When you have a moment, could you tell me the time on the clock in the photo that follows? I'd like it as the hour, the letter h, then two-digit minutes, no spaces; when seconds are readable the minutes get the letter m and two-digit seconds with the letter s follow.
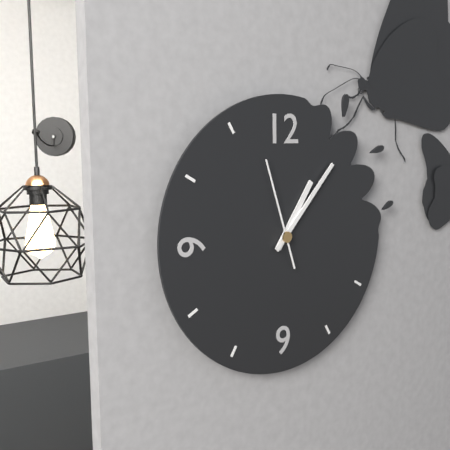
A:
1h07m57s
